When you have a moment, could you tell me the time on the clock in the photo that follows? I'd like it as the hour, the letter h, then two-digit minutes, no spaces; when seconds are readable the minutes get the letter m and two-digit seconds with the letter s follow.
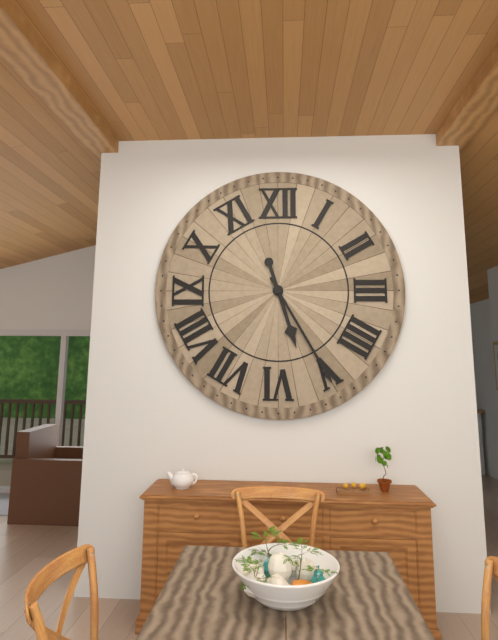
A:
5h25
